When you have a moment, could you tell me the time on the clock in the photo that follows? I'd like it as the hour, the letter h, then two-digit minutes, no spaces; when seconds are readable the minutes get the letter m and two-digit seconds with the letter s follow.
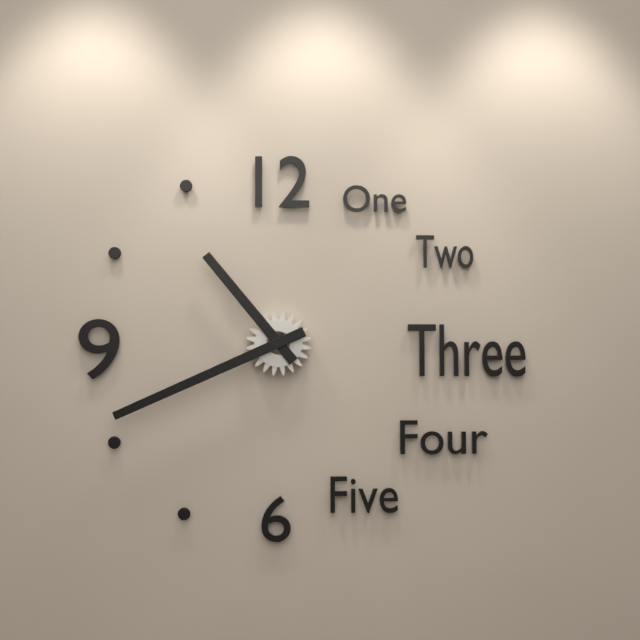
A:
10h41
